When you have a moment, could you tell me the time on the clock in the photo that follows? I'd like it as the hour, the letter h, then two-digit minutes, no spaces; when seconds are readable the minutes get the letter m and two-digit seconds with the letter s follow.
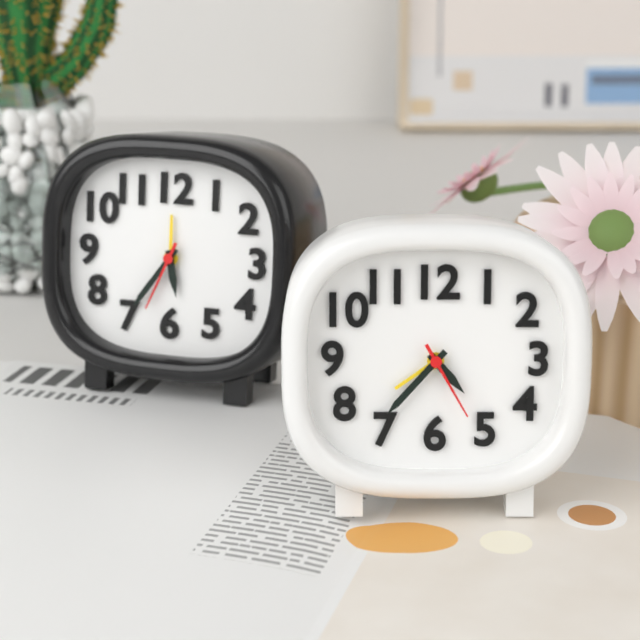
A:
4h37m25s
